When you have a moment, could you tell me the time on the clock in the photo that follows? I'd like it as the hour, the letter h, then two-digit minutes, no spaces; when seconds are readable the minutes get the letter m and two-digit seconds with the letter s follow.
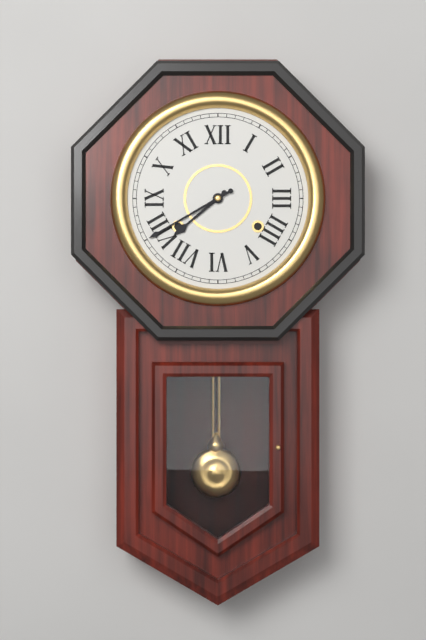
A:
7h40
